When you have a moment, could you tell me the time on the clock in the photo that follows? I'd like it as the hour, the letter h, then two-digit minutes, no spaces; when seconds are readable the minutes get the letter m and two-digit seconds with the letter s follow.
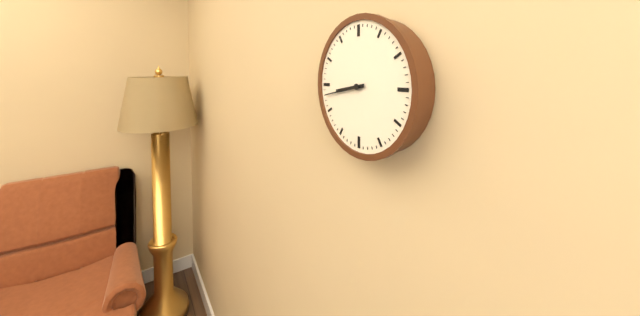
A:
8h43
